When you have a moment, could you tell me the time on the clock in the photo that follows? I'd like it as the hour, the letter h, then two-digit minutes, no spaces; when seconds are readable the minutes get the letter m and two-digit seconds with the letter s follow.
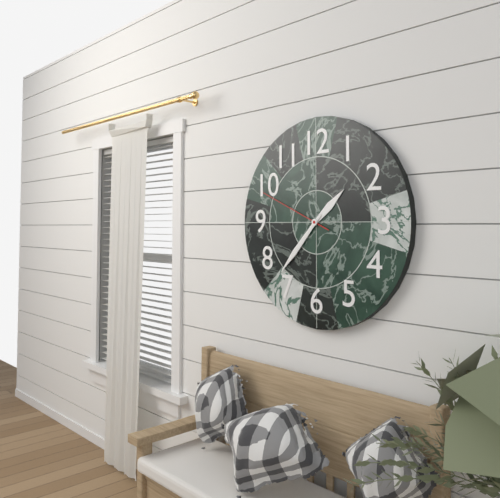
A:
1h37m49s
